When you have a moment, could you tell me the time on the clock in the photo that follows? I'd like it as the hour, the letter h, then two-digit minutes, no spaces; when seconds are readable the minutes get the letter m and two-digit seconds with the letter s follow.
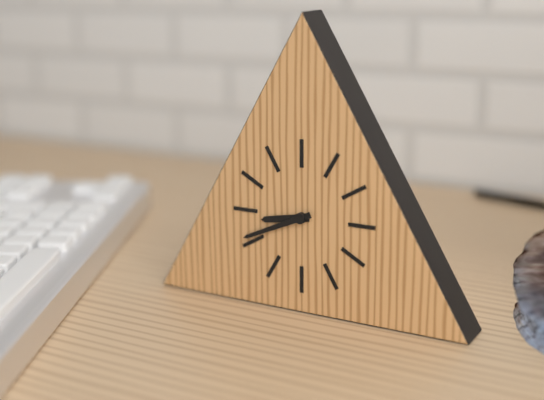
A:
8h41
